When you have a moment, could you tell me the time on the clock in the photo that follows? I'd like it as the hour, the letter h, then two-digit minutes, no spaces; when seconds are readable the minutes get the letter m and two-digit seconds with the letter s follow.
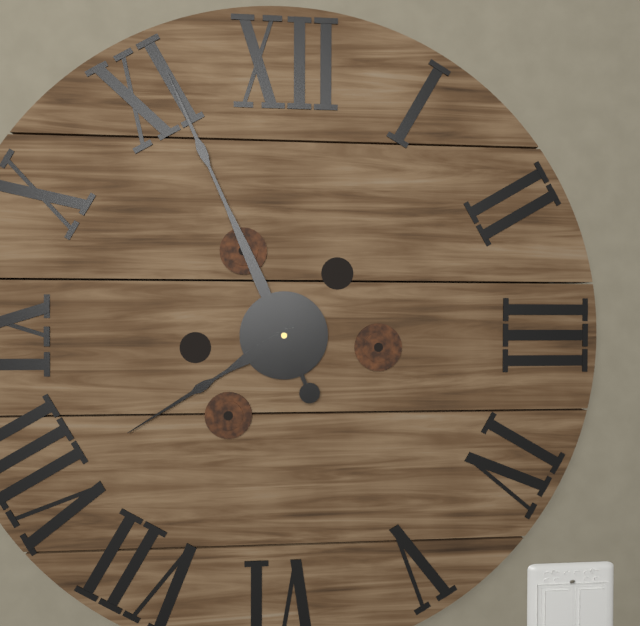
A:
7h56
